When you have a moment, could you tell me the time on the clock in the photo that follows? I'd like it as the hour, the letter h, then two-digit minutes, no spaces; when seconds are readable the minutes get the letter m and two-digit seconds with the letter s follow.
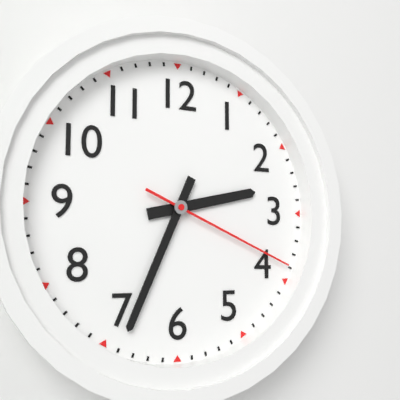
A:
2h34m19s
